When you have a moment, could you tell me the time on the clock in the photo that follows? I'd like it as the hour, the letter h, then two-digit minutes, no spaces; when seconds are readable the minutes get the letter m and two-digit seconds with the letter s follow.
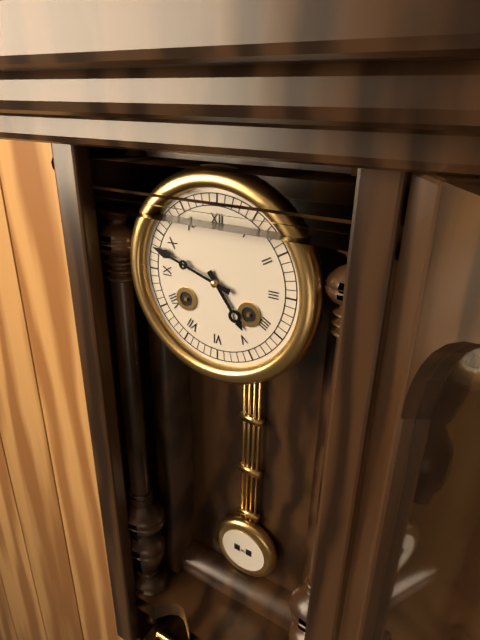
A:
4h48
